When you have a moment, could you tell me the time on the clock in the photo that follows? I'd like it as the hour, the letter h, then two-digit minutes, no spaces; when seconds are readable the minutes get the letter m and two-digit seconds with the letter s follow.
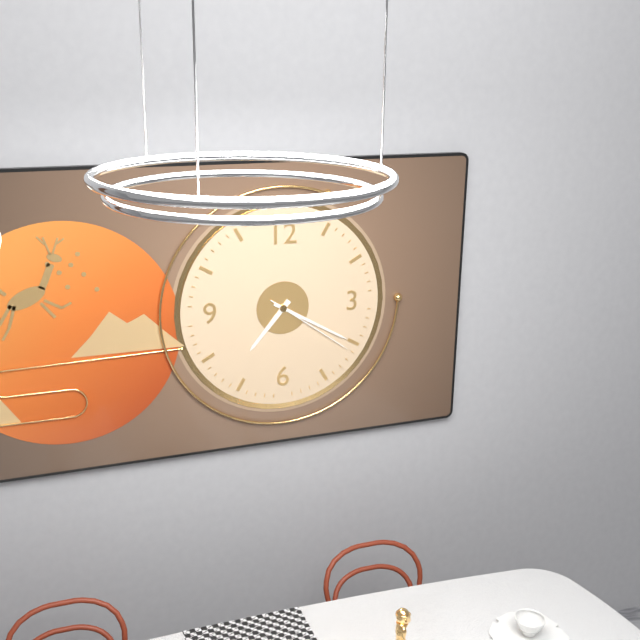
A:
7h20m21s
